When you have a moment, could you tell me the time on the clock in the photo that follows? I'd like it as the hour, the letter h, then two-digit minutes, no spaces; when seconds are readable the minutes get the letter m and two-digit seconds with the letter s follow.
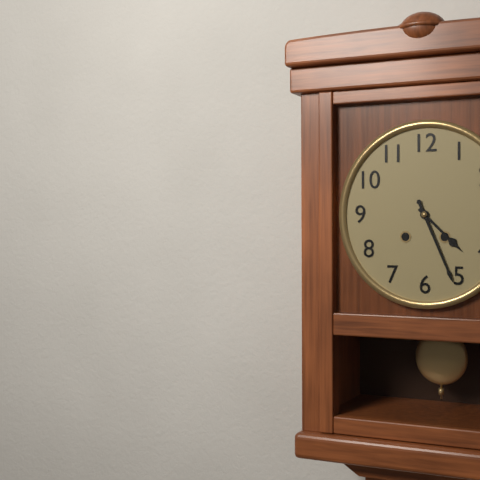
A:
4h26
